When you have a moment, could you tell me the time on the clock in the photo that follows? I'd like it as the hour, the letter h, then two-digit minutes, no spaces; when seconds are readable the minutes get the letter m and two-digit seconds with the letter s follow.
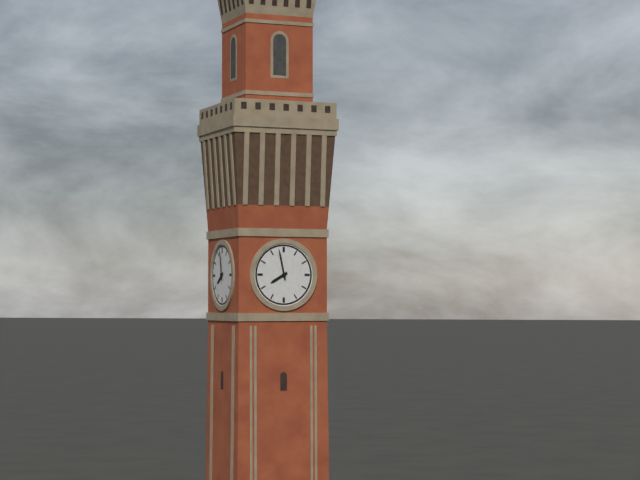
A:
7h58
